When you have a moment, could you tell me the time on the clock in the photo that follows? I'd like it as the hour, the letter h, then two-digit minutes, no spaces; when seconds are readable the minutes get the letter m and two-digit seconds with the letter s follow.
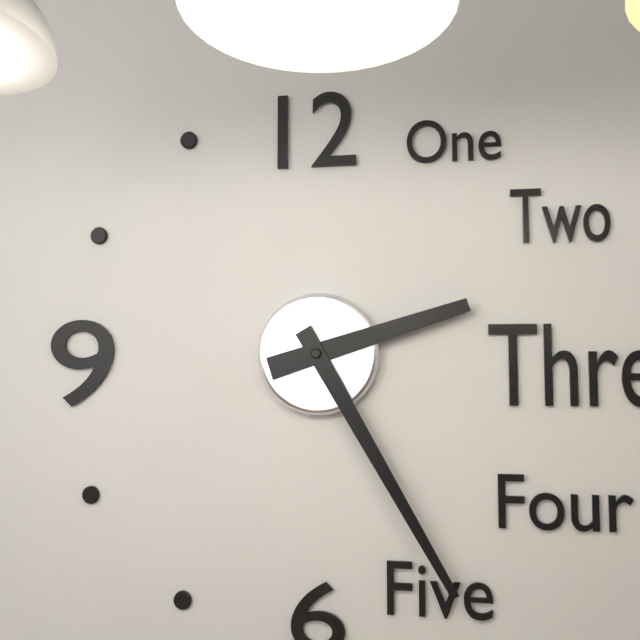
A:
2h25
